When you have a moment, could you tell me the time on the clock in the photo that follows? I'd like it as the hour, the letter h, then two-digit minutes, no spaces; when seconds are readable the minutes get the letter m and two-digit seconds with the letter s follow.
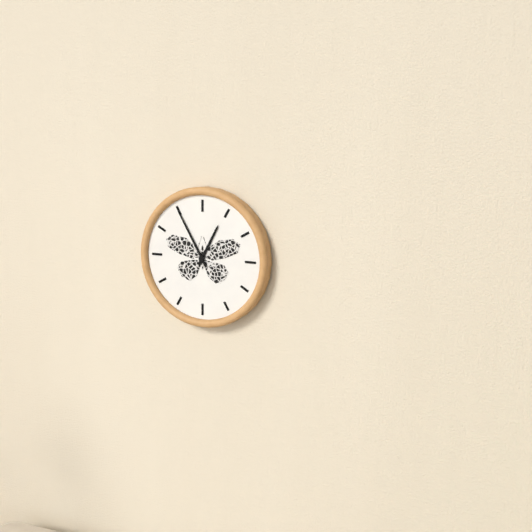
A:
12h55
